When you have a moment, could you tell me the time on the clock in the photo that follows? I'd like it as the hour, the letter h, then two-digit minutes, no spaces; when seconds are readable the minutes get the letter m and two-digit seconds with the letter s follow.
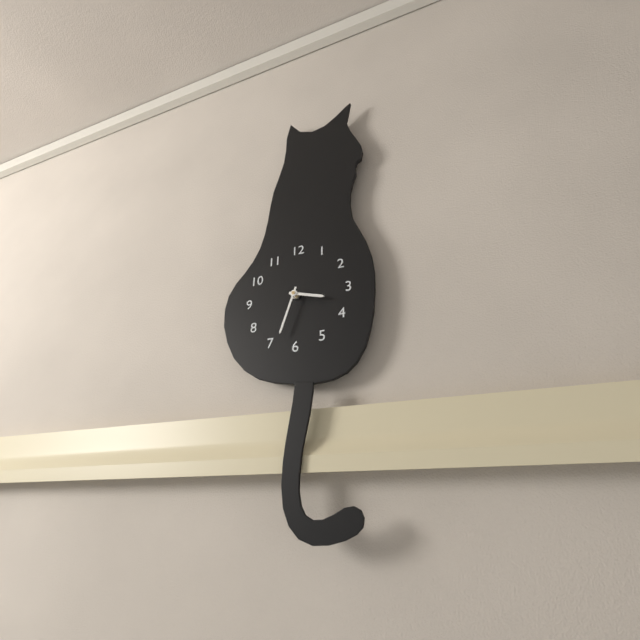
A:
3h33
